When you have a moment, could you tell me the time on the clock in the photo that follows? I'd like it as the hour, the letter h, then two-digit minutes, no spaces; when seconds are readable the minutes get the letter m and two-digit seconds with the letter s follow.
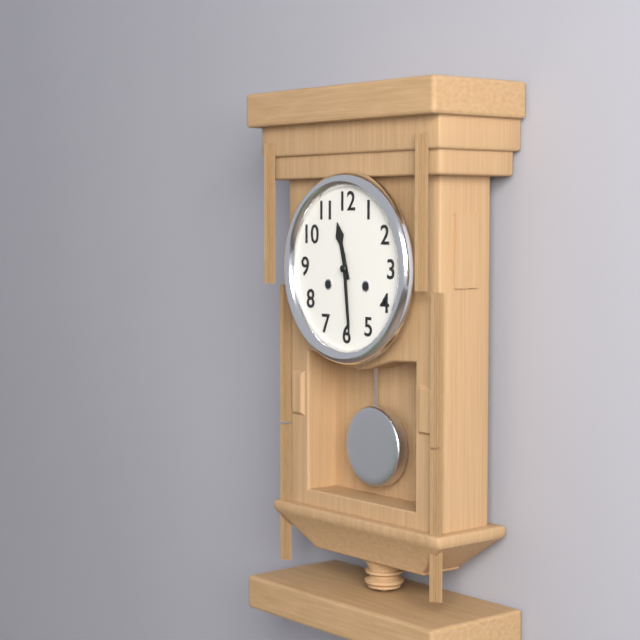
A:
11h29
